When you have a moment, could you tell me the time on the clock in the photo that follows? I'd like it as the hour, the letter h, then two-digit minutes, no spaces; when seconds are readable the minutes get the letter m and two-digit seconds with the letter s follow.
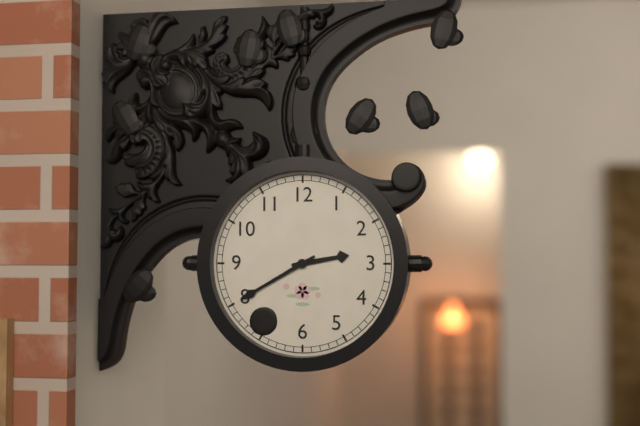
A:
2h40
